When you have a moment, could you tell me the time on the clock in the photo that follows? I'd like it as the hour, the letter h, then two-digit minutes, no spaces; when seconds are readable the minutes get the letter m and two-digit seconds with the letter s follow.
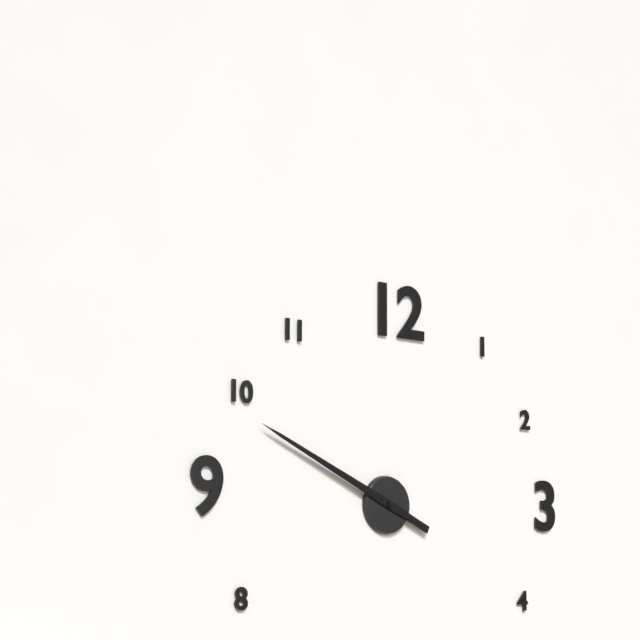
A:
9h49
